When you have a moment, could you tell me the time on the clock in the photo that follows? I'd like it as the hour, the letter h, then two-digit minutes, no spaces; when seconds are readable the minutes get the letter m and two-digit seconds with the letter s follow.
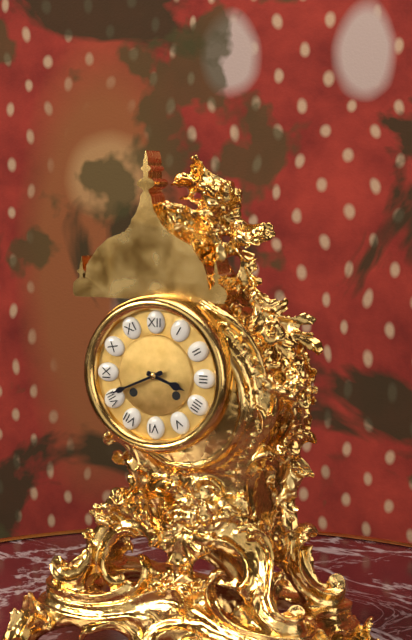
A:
3h41
